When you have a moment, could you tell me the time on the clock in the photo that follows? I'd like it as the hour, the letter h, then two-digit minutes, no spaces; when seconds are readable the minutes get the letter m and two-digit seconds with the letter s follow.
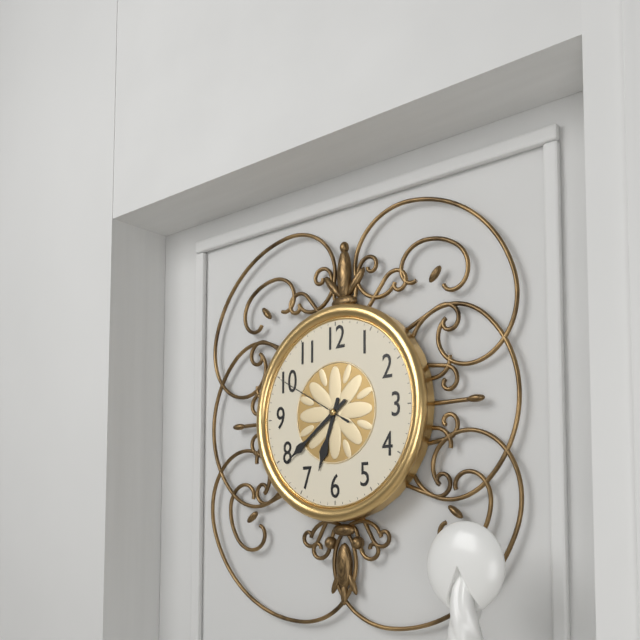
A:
6h39m50s
